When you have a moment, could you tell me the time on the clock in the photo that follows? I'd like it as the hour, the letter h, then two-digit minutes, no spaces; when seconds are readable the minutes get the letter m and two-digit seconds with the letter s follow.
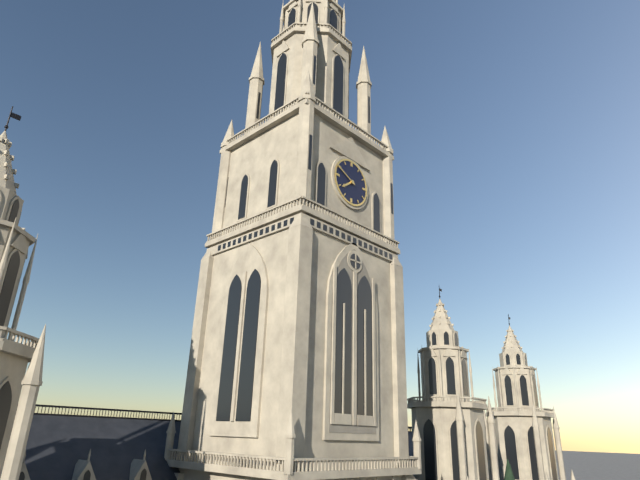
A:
7h49
